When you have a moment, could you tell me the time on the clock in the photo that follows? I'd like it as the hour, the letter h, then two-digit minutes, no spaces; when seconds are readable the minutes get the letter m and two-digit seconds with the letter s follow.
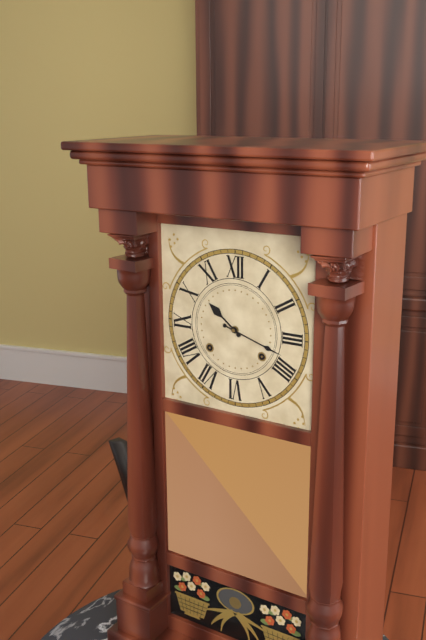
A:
10h18
